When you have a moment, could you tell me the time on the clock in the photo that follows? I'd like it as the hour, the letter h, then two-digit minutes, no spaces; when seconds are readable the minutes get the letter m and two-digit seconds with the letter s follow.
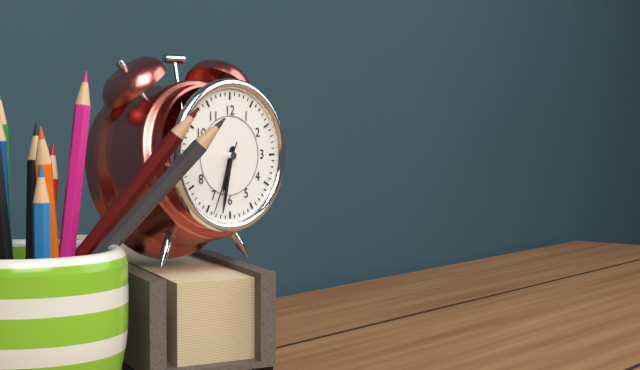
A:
6h32m34s
